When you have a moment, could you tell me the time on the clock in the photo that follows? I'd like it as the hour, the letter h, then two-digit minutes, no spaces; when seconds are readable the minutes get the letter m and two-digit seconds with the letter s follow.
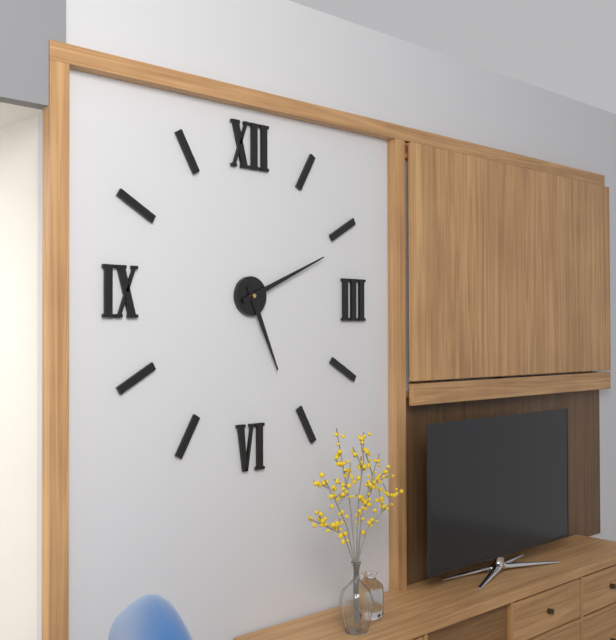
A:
5h11
